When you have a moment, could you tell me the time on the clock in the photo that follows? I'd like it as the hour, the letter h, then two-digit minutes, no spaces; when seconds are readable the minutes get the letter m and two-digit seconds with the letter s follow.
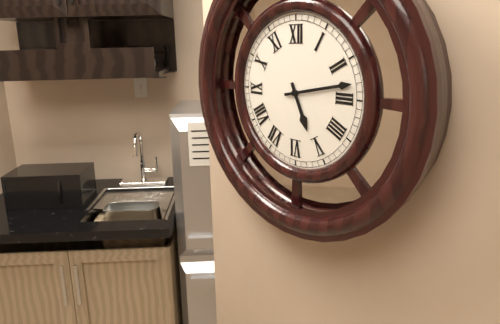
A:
5h13
